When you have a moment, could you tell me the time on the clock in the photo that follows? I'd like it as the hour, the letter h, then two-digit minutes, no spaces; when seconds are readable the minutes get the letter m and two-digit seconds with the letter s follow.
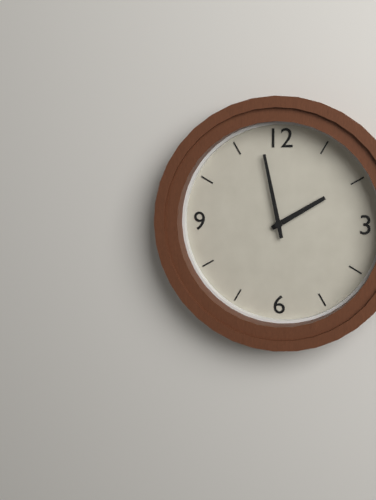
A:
1h58
